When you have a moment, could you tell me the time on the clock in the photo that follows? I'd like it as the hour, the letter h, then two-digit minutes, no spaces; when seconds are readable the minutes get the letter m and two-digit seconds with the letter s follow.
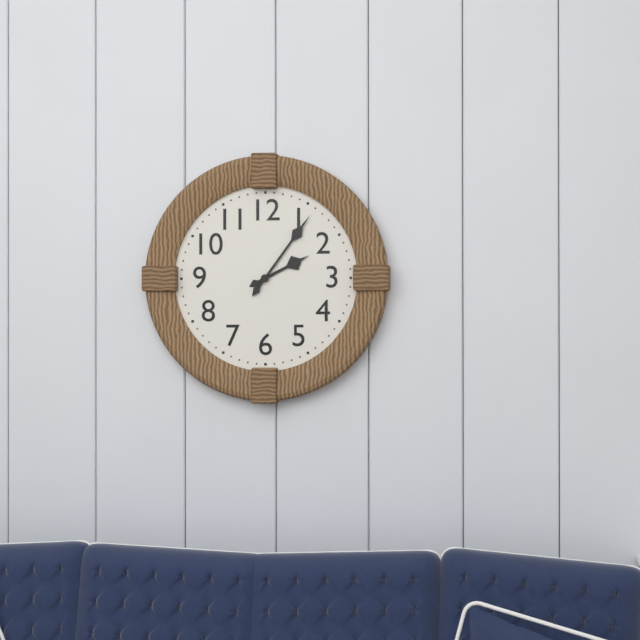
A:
2h06
